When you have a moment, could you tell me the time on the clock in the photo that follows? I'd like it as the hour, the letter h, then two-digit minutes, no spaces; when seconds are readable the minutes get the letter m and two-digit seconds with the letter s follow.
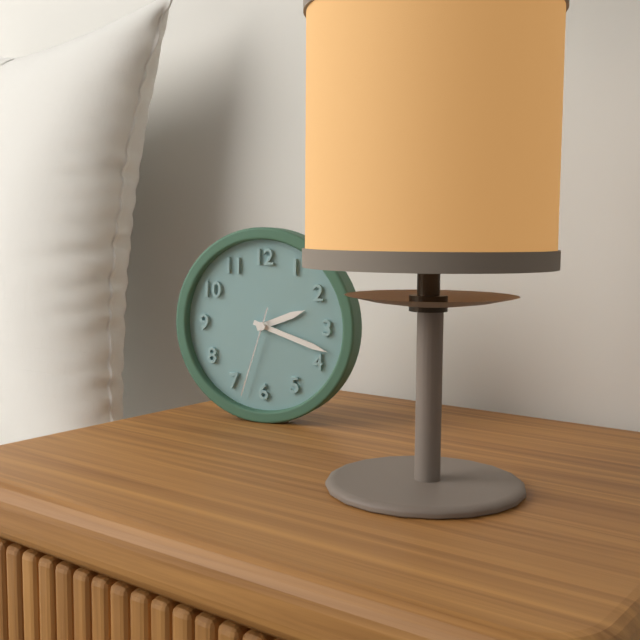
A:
2h18m33s
